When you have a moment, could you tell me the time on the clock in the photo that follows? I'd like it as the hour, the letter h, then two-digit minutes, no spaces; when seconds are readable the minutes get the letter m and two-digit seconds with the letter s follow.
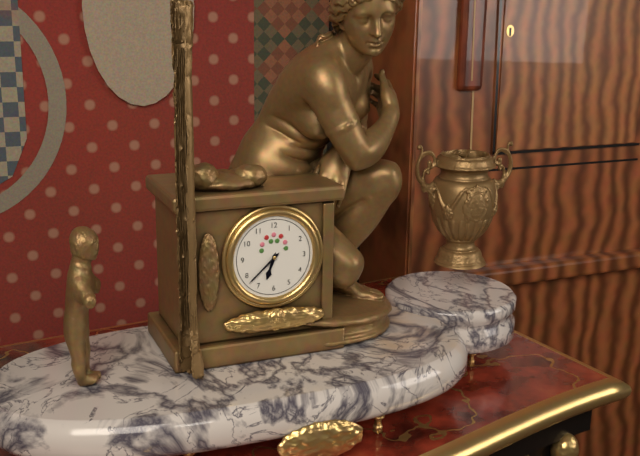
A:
6h38
